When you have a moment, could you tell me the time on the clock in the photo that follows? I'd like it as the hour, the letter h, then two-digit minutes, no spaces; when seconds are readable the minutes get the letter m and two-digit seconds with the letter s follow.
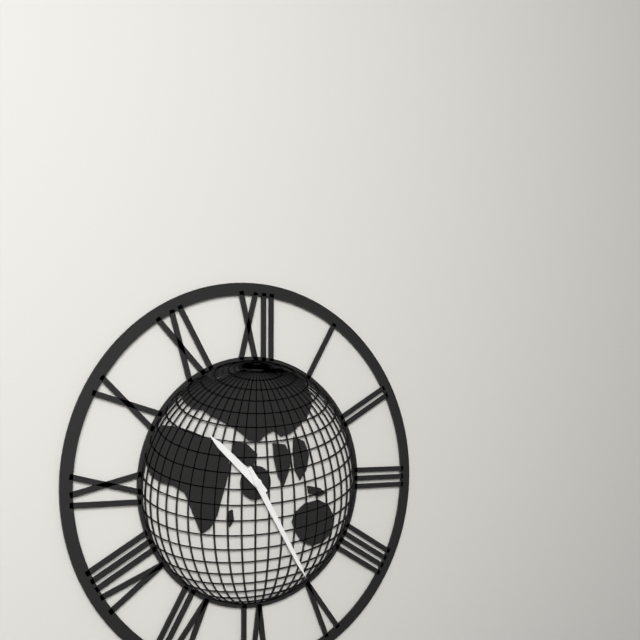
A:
10h25
